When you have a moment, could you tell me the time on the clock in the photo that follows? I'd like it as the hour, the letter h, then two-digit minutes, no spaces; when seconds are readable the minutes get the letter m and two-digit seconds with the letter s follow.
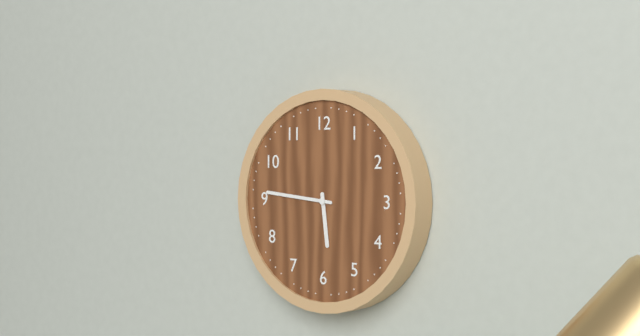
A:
5h46
